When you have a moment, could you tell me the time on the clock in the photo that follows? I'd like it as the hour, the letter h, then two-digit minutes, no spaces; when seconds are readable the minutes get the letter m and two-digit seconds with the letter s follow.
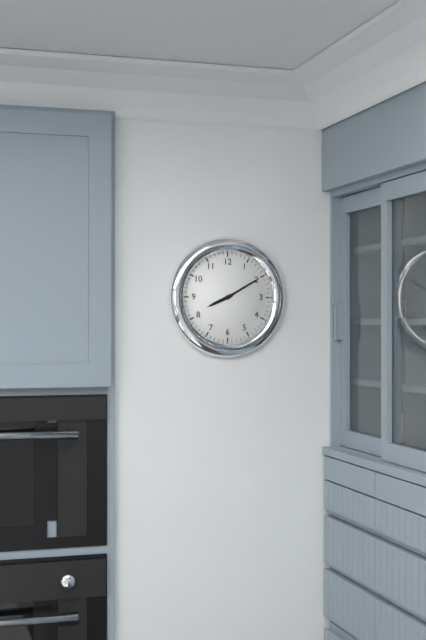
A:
8h10
